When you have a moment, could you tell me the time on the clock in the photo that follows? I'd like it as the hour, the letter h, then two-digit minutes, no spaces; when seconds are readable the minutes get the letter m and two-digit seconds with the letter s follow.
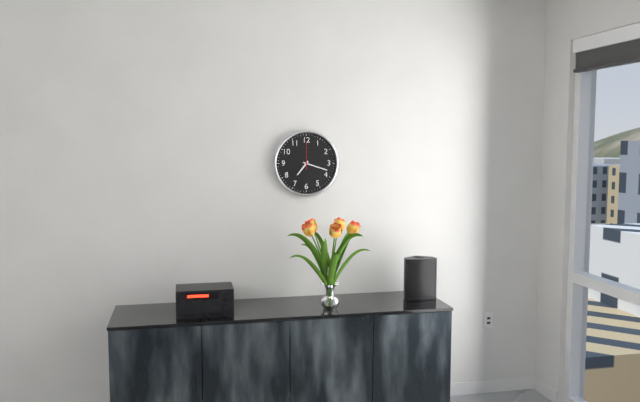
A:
7h18
